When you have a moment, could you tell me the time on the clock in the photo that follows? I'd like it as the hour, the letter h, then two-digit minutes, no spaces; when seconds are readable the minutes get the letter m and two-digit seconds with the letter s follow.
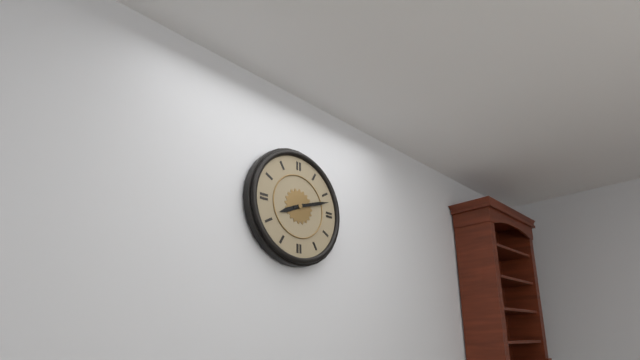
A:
8h12
